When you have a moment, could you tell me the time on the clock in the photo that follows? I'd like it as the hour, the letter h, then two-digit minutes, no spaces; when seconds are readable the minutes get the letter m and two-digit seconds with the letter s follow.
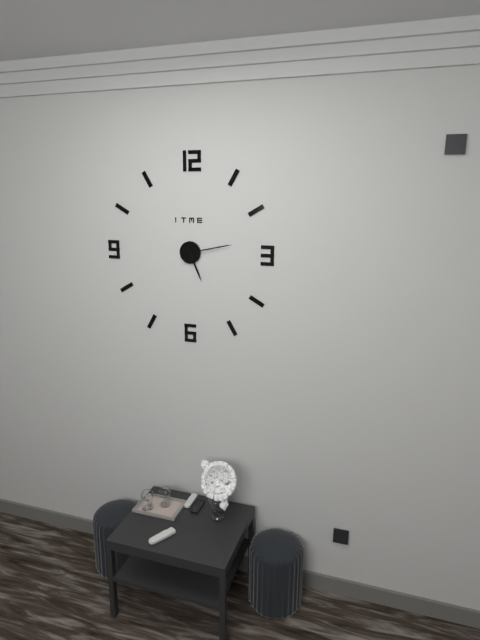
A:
5h13
